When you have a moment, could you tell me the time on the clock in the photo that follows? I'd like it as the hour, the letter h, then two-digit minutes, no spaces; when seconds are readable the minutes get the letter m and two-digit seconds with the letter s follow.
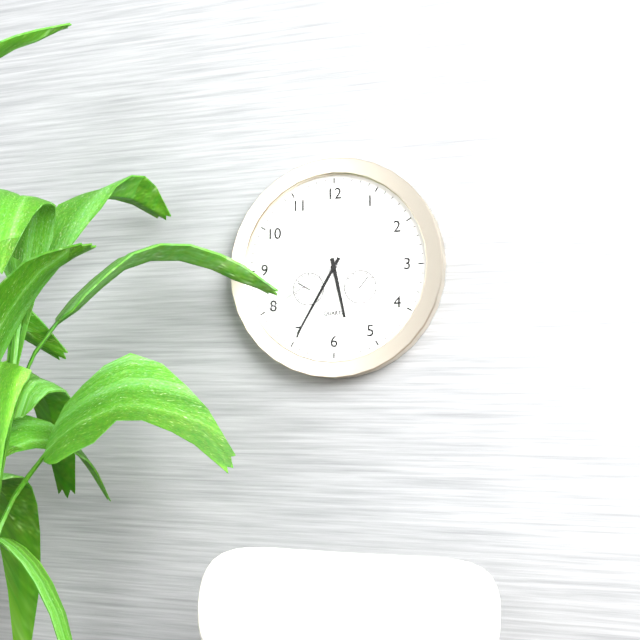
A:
5h35m40s
